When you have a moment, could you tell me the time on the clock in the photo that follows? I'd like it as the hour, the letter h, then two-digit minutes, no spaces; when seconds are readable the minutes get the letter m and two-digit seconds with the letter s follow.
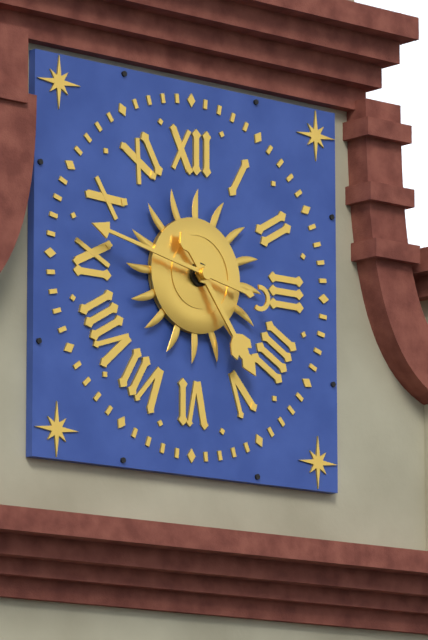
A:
4h47
